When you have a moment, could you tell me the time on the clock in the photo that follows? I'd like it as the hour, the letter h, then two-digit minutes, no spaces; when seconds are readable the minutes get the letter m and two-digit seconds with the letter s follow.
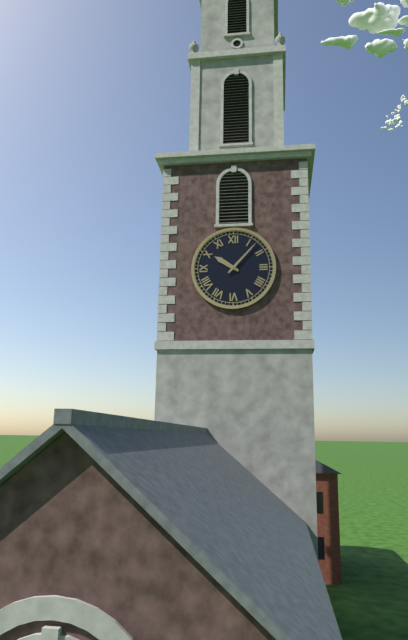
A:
10h07
